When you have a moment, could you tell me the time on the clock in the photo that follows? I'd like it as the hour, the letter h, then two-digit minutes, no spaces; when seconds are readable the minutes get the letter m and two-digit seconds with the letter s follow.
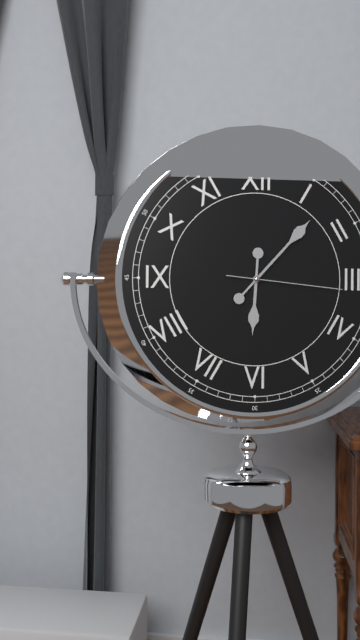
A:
6h07m16s
